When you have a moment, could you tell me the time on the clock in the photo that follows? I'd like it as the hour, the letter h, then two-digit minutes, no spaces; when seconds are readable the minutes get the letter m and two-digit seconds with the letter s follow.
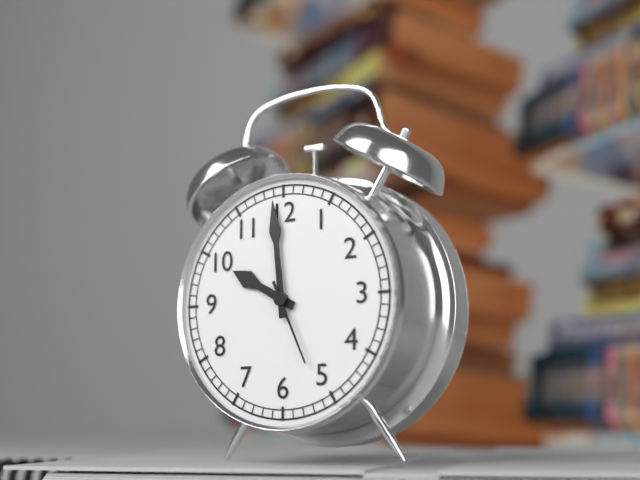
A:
9h59m26s
